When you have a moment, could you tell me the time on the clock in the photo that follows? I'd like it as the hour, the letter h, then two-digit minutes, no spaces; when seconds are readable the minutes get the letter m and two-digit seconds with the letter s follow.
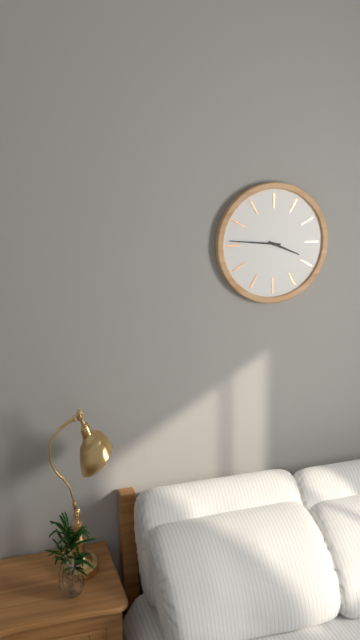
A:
3h46
